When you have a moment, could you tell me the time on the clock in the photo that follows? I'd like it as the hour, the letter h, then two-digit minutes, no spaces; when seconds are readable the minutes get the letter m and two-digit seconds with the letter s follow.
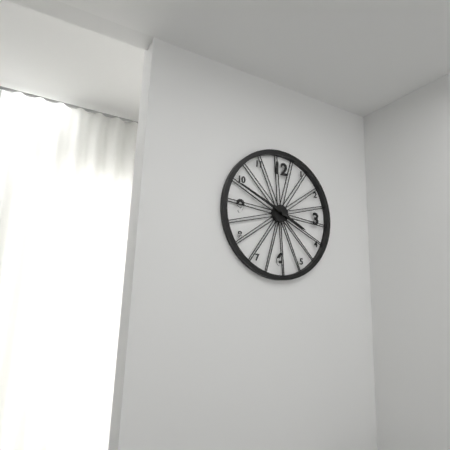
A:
3h49
